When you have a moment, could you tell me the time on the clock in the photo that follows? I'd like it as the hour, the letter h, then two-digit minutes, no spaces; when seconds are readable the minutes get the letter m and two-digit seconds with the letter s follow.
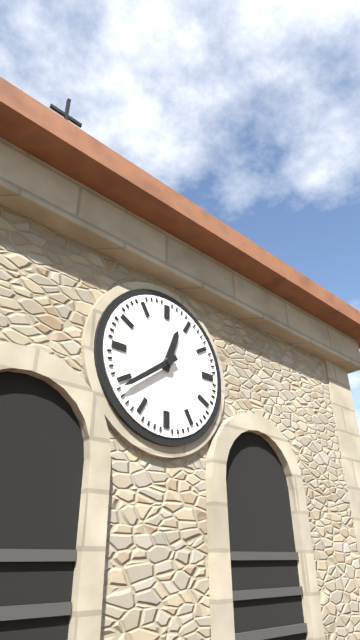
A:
12h39
